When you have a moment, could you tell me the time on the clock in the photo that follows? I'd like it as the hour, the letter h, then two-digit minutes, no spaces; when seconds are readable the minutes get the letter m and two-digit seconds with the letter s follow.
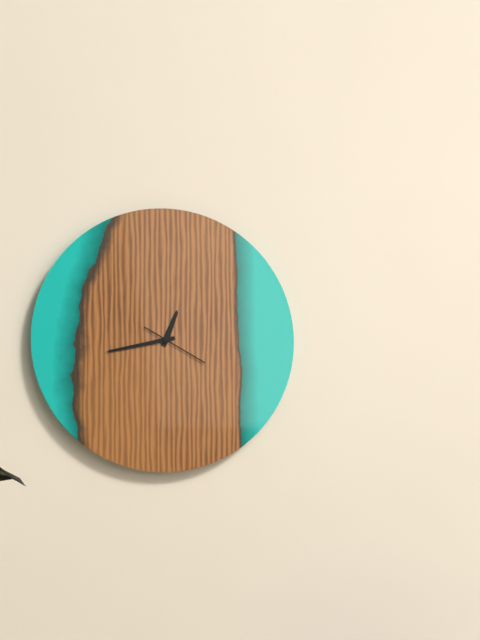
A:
12h43m20s
